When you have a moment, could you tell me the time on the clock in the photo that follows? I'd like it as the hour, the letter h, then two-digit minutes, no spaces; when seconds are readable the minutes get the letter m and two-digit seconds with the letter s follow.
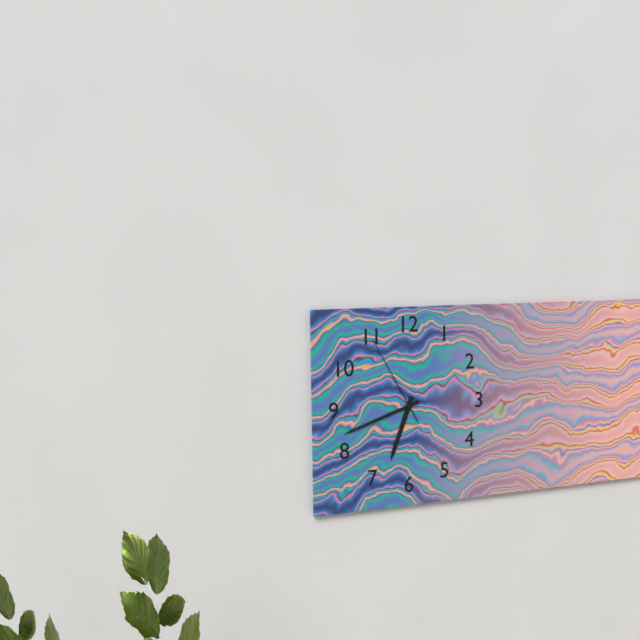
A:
6h42m55s
